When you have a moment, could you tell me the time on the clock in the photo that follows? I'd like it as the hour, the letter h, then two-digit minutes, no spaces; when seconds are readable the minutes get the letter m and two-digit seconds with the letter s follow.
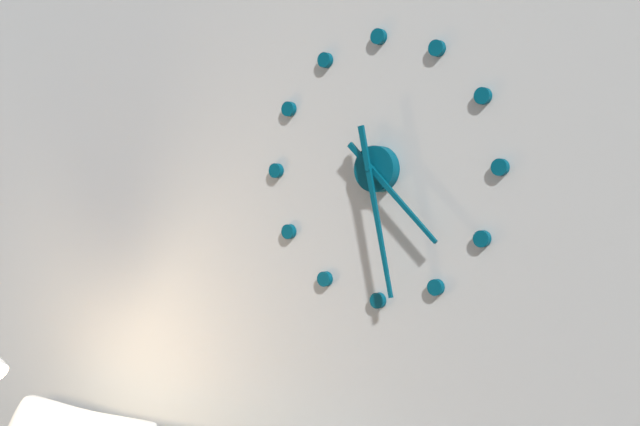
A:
4h28
